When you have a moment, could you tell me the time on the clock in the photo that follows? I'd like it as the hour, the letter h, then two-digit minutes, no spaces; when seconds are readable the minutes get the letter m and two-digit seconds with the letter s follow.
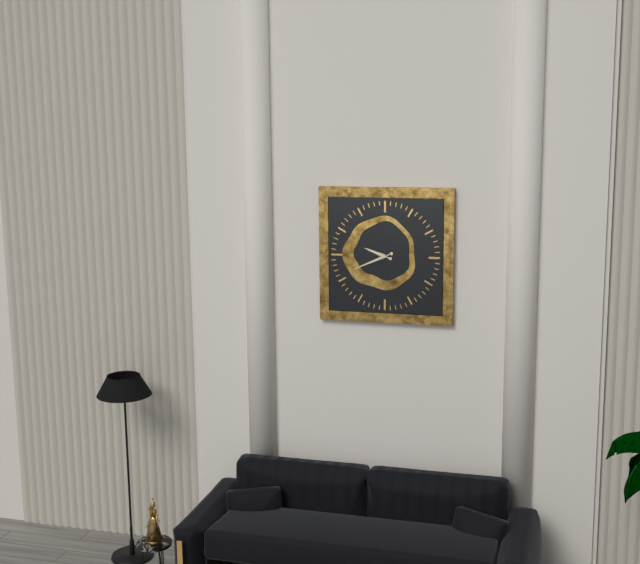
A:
9h41
